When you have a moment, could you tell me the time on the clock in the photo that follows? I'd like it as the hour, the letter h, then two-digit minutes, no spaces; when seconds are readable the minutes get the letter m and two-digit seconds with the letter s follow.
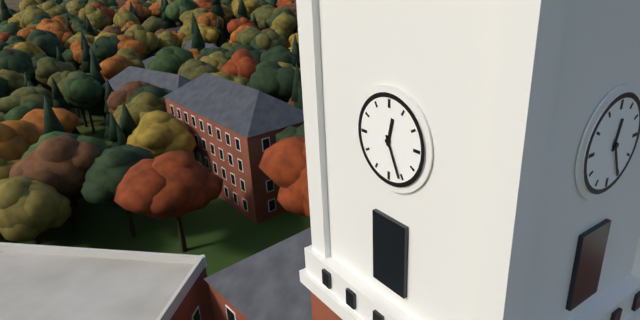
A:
12h26
